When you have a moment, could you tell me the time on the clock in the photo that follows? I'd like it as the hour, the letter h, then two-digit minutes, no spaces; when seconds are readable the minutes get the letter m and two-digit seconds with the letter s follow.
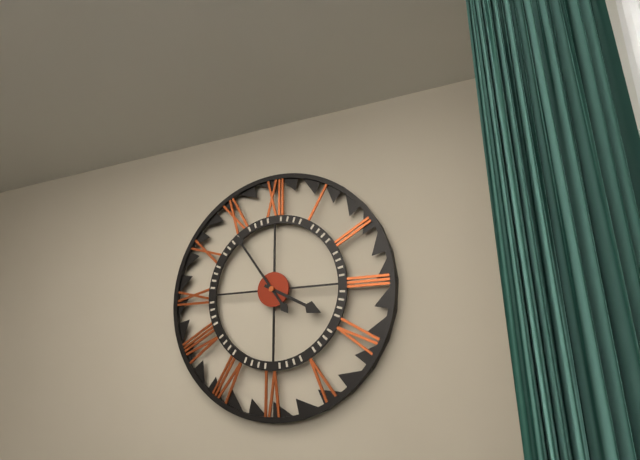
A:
3h54
